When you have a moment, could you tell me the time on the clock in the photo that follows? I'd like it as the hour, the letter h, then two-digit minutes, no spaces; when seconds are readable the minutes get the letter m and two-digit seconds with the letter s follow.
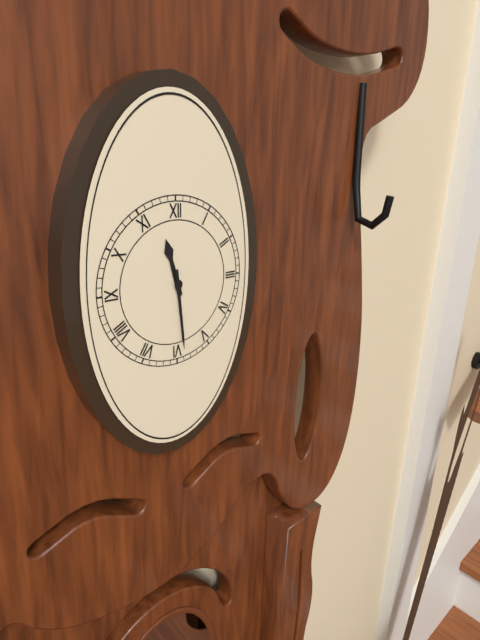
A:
11h29
